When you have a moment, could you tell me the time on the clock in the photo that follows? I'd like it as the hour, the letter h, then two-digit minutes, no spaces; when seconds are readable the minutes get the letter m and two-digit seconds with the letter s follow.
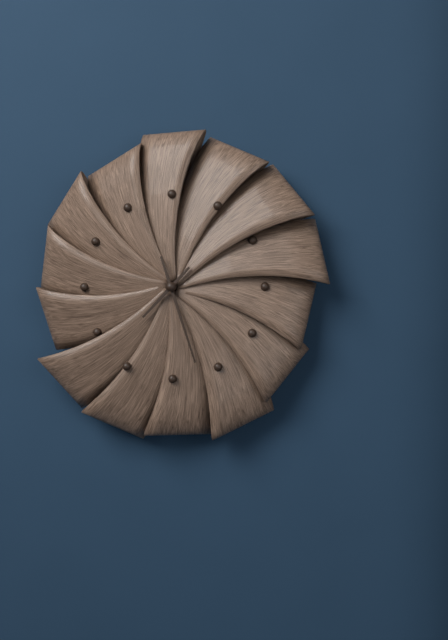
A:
7h27
